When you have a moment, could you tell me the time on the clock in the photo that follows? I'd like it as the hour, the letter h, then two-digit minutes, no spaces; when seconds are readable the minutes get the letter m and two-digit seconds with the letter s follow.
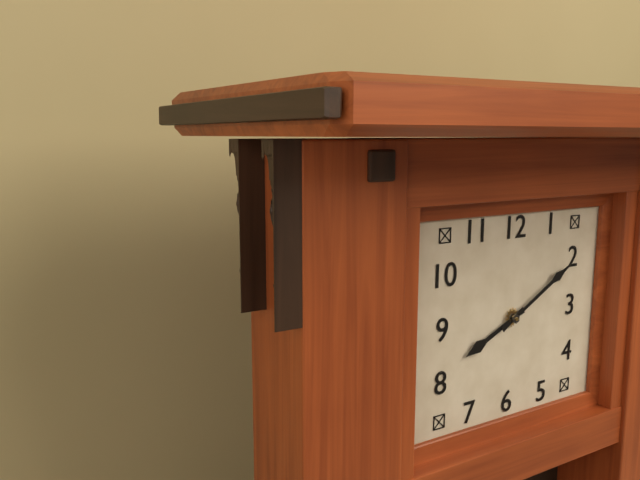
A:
8h10
